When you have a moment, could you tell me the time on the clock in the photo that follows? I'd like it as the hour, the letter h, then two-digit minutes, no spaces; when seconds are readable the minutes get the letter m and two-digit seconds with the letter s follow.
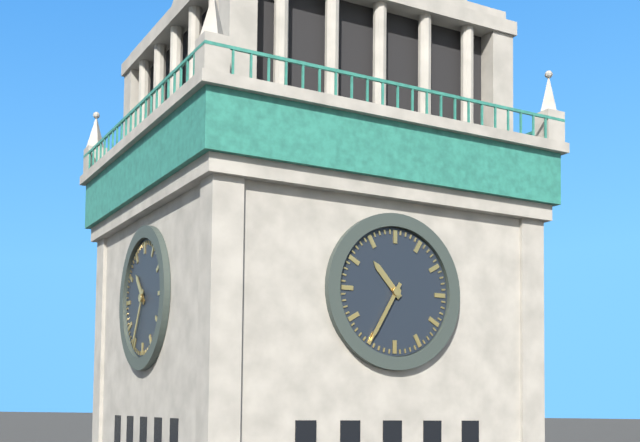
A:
10h35
